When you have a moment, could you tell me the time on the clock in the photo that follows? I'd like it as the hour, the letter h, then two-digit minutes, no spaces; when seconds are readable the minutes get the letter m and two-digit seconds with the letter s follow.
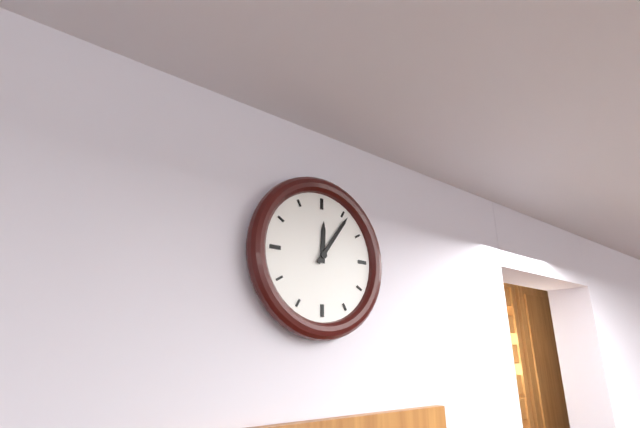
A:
12h06
